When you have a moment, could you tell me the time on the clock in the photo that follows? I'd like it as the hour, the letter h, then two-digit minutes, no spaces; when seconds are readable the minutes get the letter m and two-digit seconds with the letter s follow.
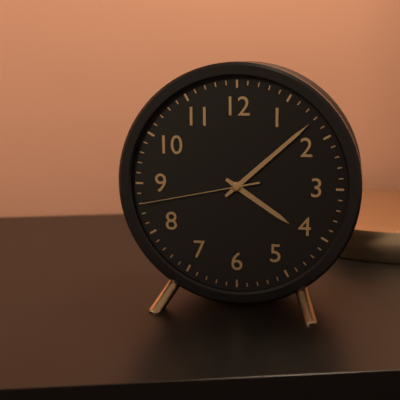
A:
4h08m43s
